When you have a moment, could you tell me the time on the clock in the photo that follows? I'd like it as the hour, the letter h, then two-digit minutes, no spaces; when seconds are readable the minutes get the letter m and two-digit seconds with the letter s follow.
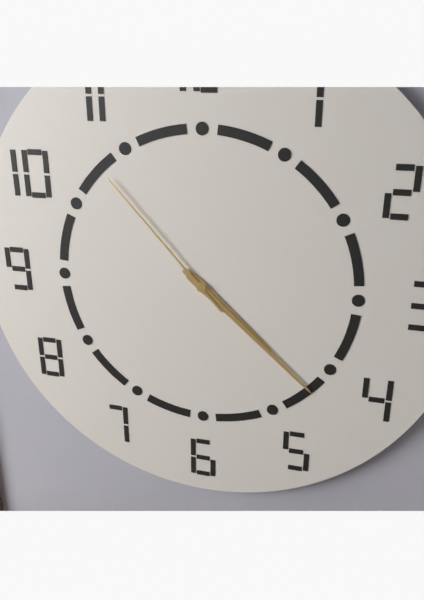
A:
4h22m53s
